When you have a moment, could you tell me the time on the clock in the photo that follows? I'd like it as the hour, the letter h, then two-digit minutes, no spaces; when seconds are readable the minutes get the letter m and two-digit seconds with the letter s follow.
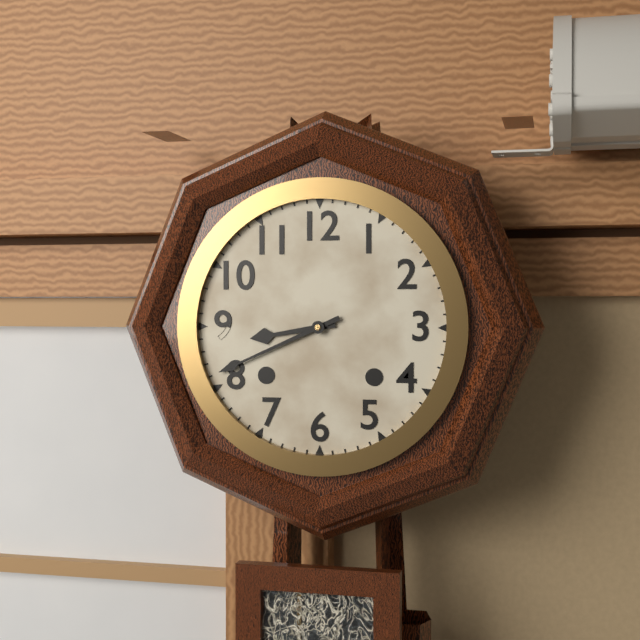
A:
8h41
